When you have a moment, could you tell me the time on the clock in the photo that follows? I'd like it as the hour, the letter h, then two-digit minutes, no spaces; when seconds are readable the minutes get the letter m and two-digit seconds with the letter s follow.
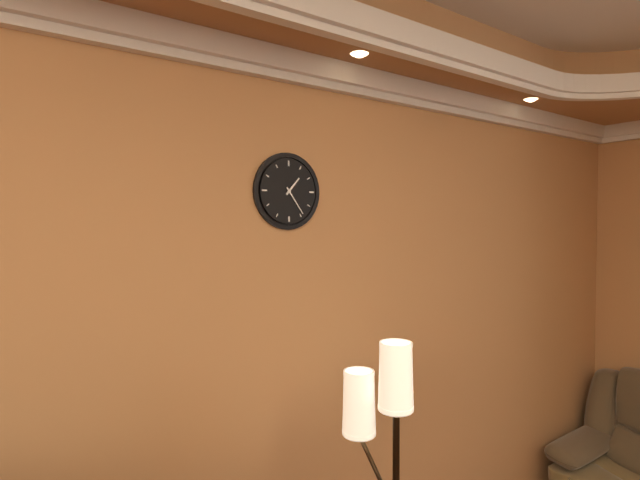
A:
1h24
